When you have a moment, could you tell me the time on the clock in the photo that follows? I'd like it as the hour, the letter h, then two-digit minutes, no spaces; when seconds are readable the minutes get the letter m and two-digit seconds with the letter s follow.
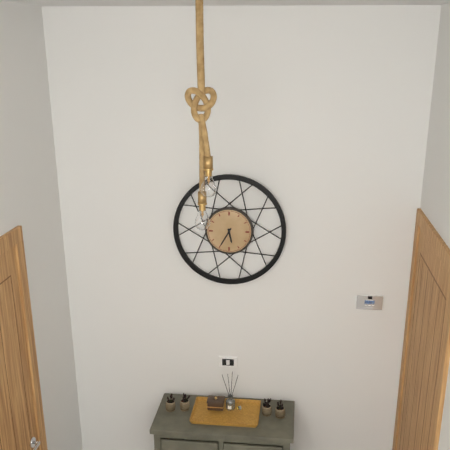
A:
5h35
